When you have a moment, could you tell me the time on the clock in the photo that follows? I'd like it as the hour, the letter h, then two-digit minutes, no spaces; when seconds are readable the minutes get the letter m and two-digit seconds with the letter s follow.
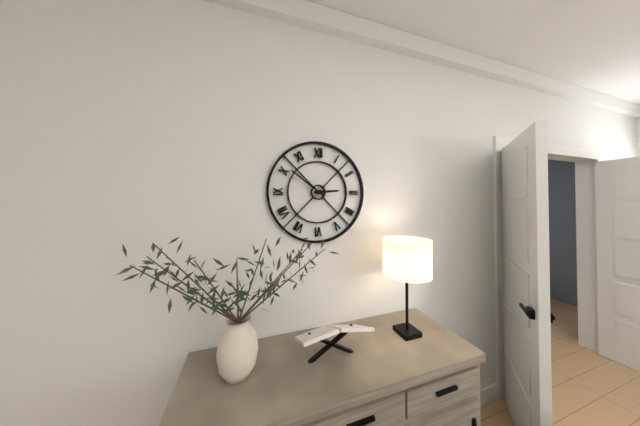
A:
2h51
